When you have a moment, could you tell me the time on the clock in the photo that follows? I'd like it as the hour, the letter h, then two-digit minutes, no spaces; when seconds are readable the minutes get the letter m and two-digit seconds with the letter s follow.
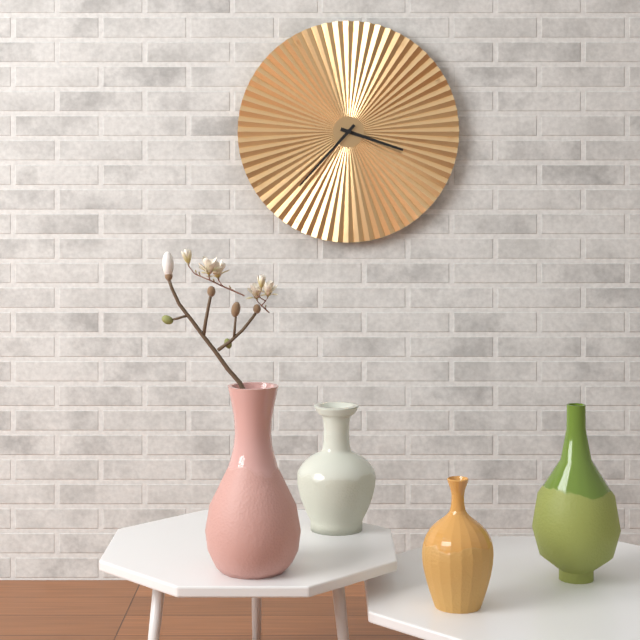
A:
3h37
